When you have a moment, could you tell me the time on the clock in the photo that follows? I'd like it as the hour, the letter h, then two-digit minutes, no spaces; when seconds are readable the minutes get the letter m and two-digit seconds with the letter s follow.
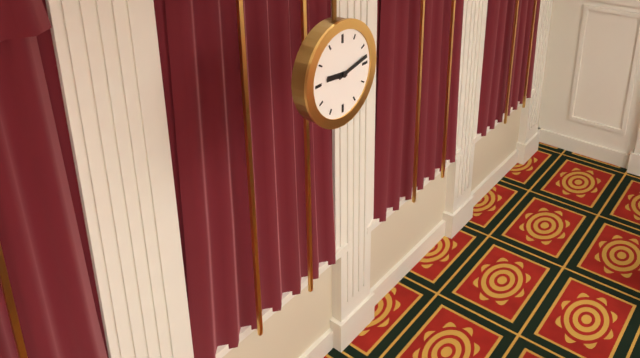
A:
9h13
